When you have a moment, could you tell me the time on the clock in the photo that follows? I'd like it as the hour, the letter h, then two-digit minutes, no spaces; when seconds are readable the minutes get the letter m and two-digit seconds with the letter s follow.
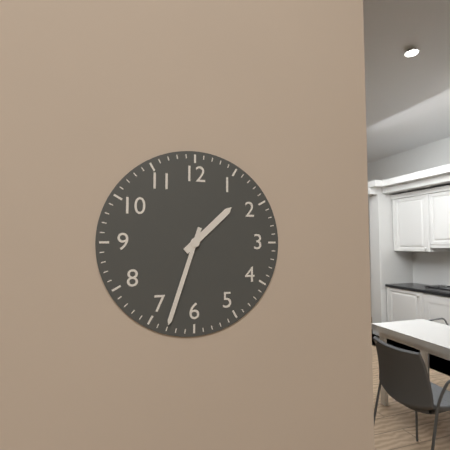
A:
1h33
